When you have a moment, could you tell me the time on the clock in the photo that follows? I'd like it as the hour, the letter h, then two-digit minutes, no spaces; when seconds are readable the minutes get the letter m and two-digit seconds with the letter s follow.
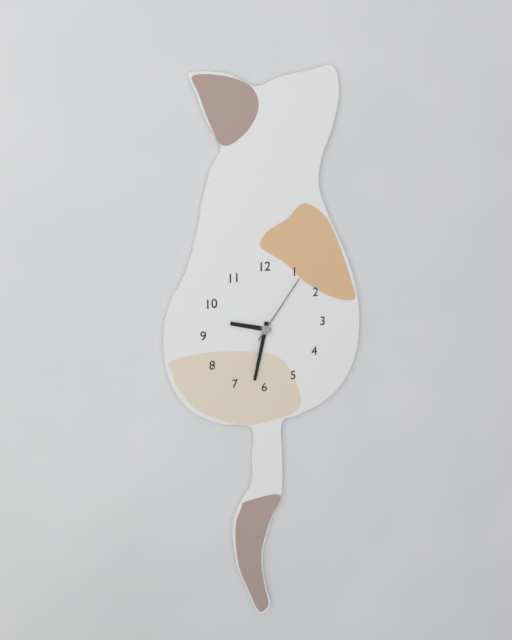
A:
9h32m06s
